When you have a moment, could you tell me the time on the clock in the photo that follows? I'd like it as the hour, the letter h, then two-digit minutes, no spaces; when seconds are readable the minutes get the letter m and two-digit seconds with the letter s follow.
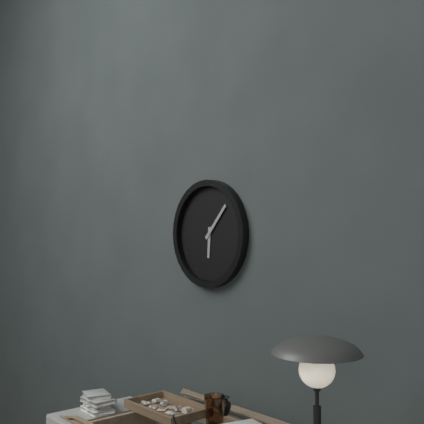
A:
6h07
